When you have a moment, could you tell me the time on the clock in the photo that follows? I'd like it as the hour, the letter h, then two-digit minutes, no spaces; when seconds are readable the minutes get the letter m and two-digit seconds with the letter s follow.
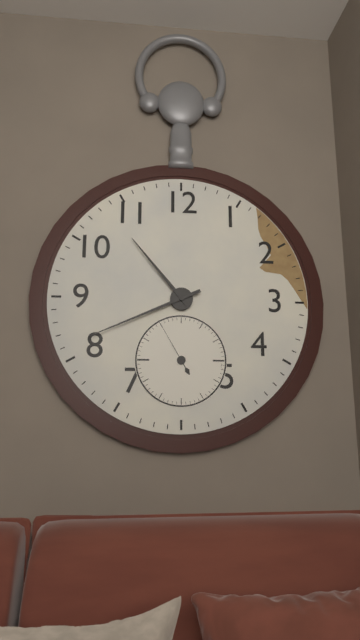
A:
10h41
